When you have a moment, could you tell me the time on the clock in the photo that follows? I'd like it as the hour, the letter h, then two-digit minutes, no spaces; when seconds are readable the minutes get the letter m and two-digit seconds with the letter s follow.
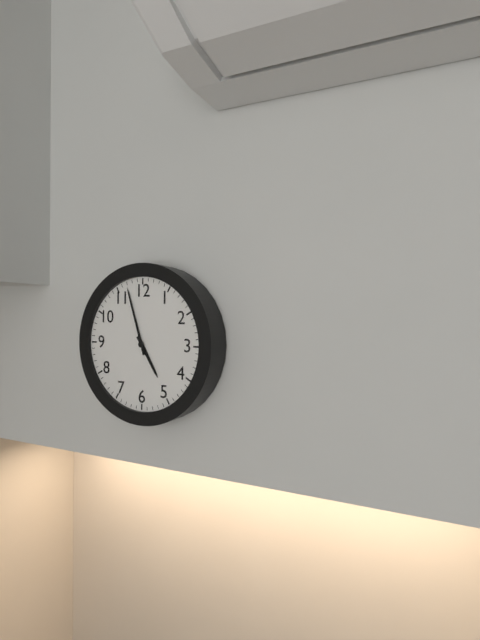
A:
4h57
